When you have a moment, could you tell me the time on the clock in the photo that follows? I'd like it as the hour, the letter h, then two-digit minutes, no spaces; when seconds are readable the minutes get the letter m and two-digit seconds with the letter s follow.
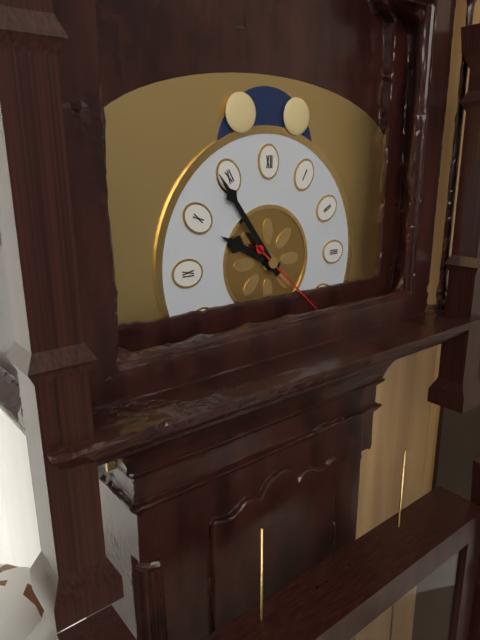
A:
9h54m22s
